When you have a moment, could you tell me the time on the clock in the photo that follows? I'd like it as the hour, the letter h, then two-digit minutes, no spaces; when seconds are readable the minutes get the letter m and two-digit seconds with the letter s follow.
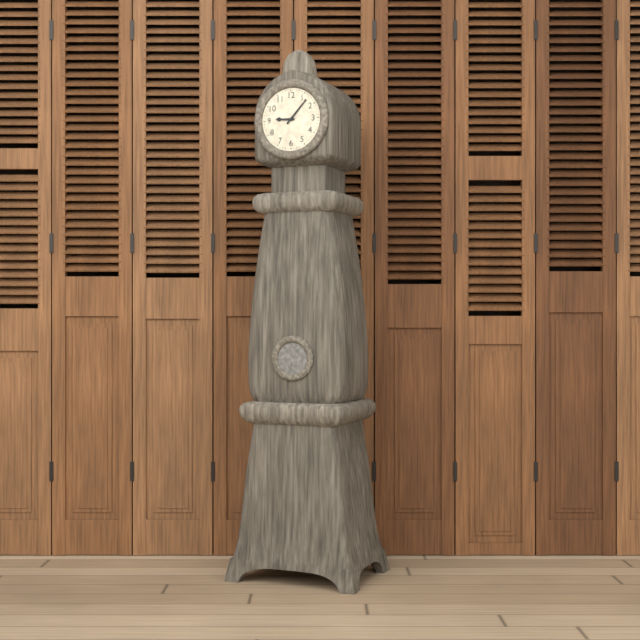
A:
9h07
